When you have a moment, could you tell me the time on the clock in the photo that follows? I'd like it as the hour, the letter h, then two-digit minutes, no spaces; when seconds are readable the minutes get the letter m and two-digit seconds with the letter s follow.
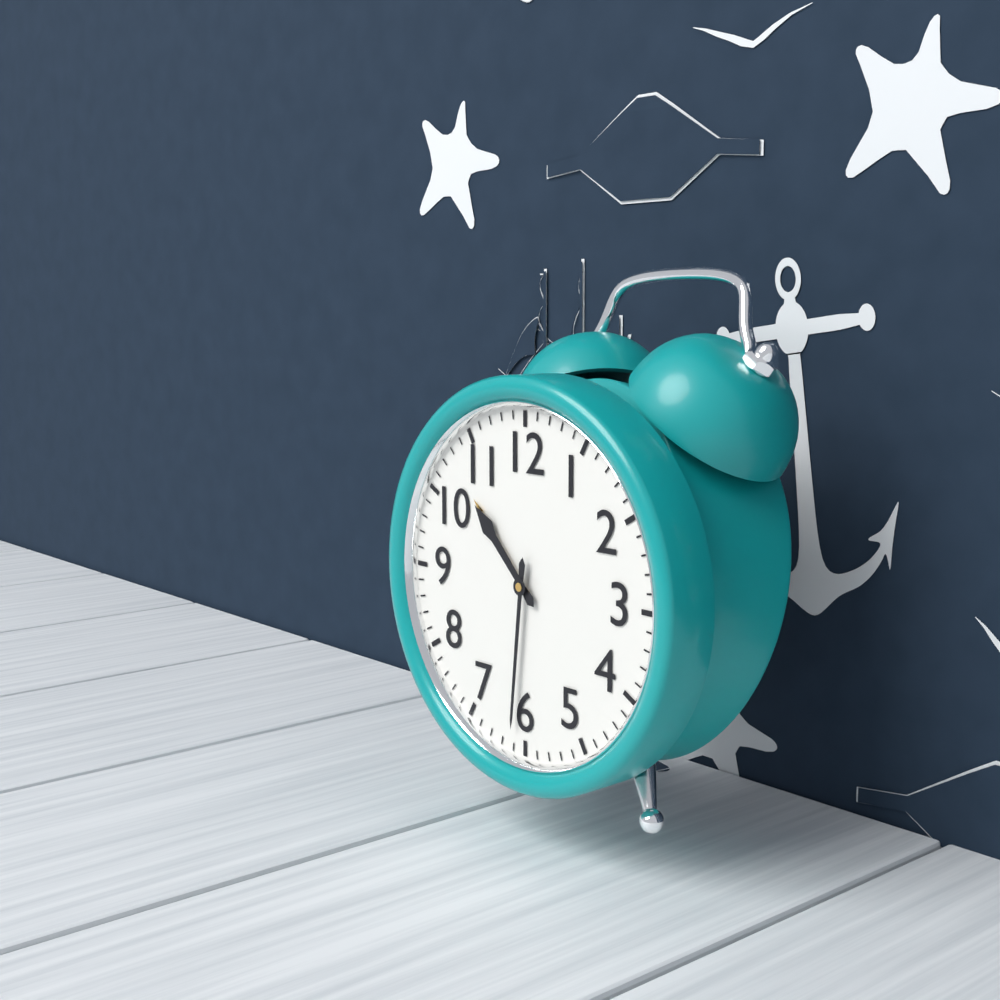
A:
10h31
